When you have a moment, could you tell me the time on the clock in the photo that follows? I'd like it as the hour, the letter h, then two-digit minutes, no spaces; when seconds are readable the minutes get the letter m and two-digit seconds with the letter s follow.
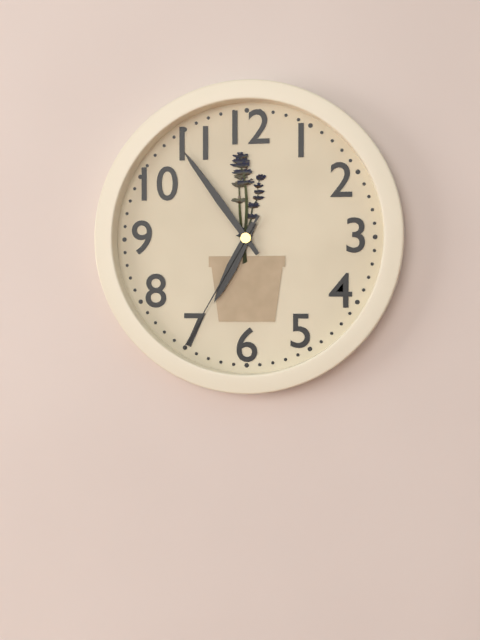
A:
6h54m35s
